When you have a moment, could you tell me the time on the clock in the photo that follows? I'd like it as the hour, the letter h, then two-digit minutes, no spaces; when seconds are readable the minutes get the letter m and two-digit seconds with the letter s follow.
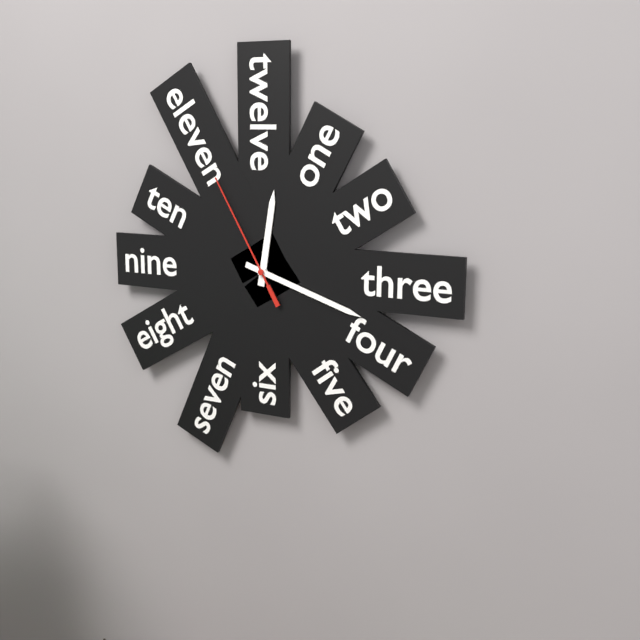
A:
12h18m55s
